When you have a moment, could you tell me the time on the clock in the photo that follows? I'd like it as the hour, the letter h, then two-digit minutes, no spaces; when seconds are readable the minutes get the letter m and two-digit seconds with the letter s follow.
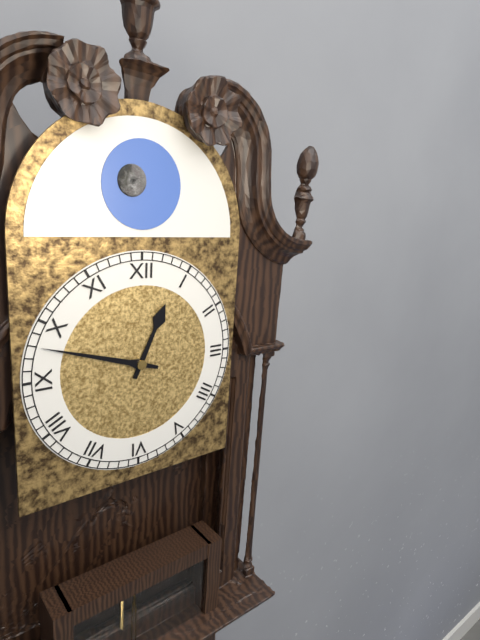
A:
12h48
